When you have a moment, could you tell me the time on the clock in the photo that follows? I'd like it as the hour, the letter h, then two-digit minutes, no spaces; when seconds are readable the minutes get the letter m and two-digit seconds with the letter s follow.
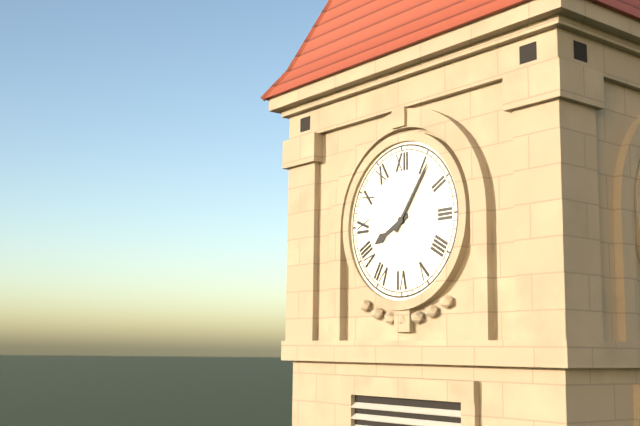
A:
8h06
